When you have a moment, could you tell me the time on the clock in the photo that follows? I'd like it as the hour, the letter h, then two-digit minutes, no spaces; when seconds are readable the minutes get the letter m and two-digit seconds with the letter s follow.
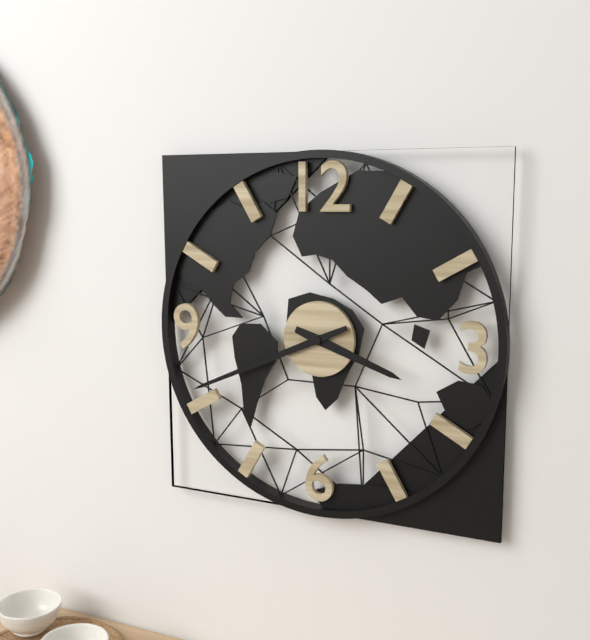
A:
3h41
